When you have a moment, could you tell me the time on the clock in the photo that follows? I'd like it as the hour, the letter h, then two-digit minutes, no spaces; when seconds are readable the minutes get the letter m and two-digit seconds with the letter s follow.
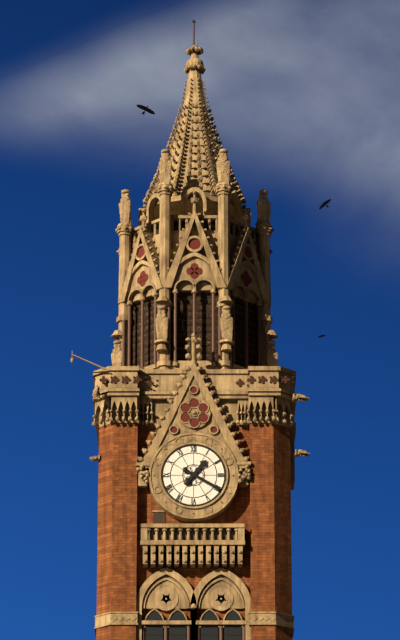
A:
1h20
